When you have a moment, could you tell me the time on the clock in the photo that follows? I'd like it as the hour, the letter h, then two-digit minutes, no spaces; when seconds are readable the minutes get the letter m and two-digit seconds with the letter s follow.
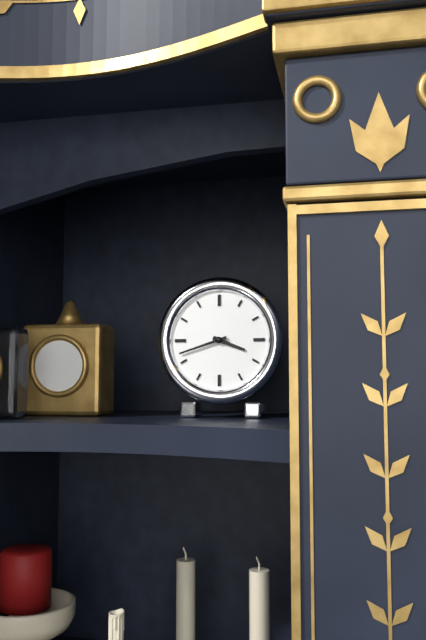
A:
3h42
